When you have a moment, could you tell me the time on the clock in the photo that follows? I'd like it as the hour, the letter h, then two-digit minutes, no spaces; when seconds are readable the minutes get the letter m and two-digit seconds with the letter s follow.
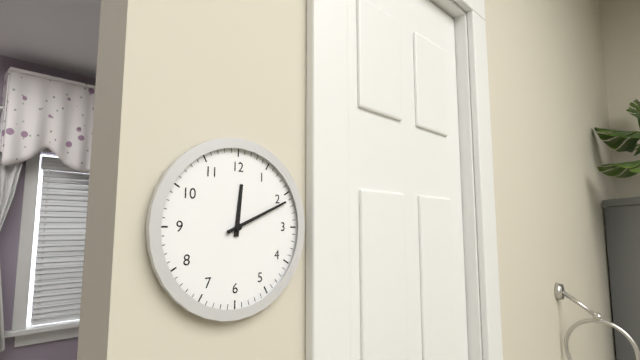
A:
12h11
